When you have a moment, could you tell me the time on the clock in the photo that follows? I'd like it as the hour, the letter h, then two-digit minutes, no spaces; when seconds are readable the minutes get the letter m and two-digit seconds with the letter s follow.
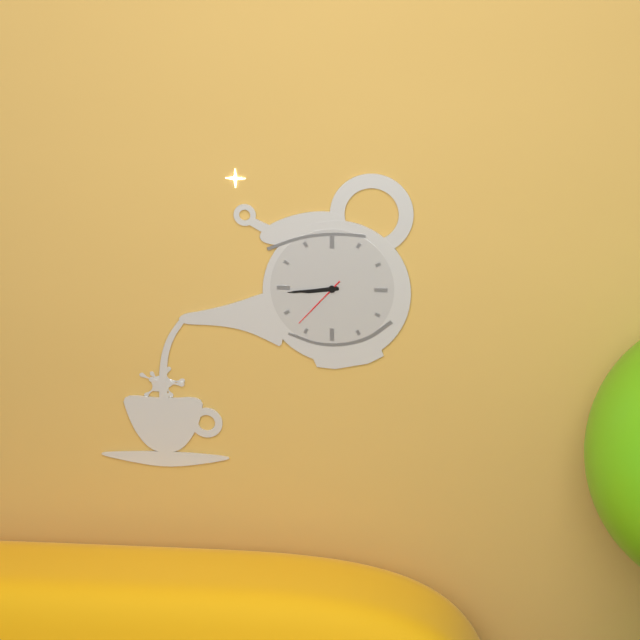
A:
8h44m37s
